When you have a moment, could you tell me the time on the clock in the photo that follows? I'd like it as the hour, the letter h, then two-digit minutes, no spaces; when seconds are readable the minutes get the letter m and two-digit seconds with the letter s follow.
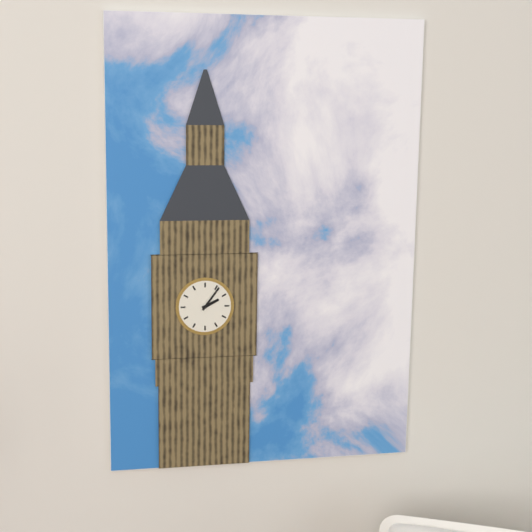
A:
2h06
